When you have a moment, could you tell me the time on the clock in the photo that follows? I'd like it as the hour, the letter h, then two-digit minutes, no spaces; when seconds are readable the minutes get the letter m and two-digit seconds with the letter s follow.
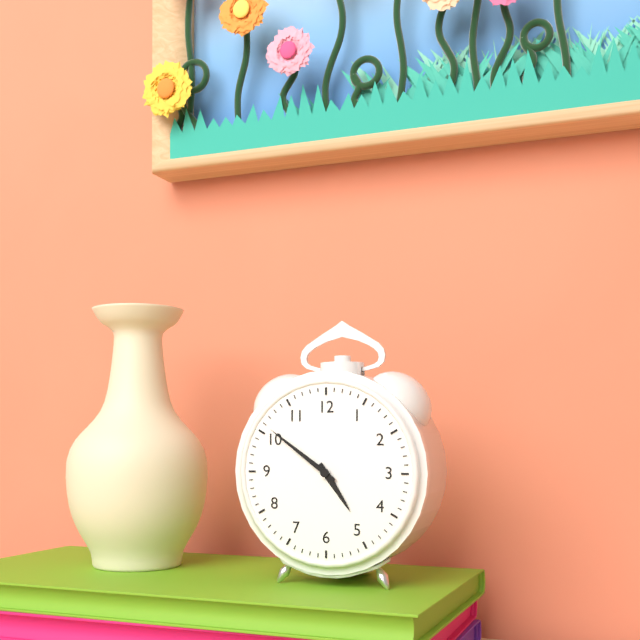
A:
4h51
